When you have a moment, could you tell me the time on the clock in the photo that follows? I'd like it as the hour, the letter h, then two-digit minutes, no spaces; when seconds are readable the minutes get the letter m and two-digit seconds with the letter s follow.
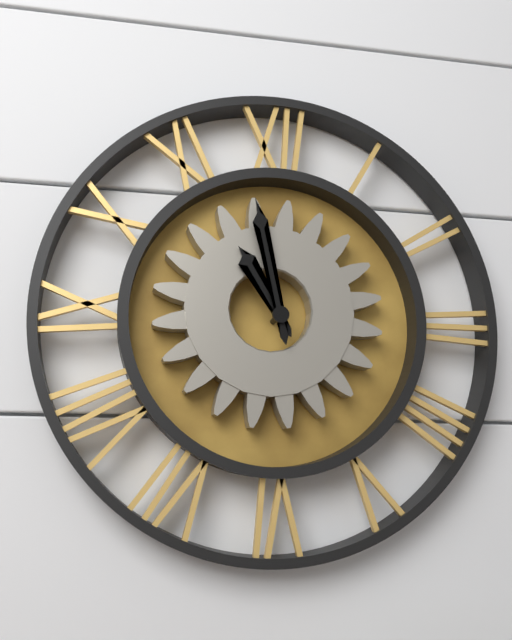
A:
10h58
